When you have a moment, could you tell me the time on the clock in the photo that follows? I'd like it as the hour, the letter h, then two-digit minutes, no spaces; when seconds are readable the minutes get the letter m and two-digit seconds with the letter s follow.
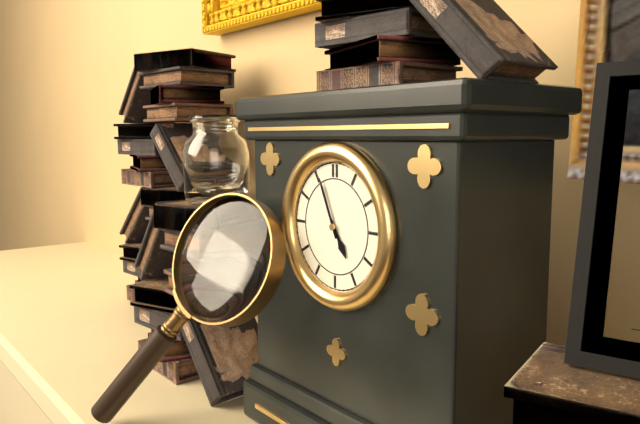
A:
4h56
